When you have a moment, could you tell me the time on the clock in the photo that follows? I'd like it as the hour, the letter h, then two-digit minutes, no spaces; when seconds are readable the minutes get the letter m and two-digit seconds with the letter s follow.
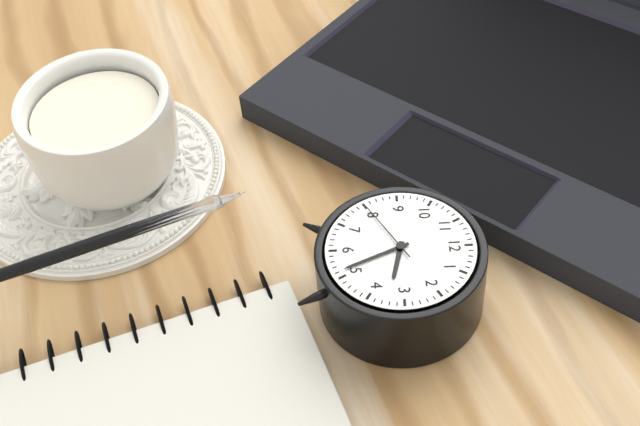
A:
3h26m40s
